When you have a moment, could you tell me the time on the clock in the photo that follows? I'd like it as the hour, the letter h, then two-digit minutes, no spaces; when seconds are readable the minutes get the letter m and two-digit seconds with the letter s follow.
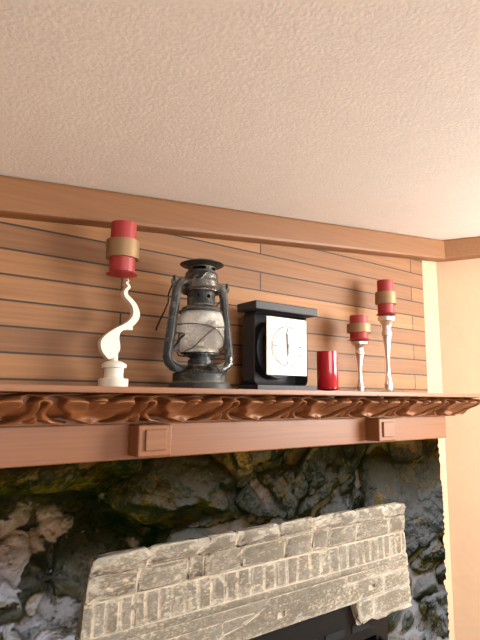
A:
5h59
